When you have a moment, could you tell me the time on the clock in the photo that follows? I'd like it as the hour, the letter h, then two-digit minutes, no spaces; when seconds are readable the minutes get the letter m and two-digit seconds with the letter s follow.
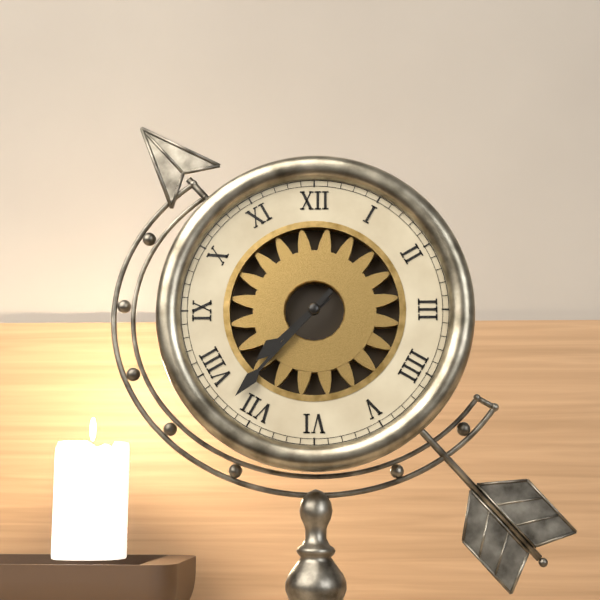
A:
7h37
